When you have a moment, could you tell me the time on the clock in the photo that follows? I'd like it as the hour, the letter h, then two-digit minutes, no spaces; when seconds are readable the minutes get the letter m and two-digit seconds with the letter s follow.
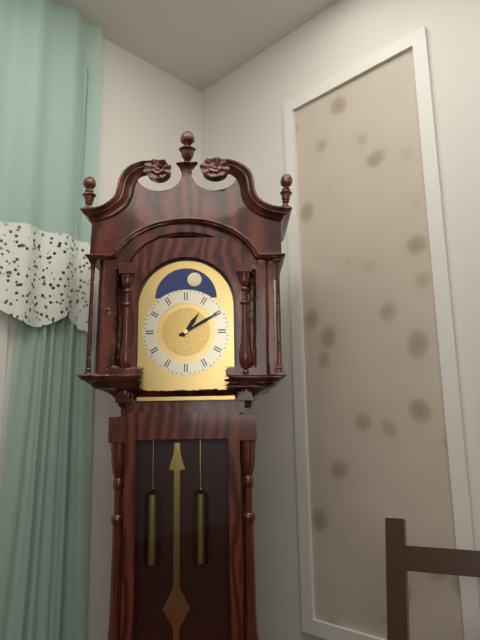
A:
1h10
